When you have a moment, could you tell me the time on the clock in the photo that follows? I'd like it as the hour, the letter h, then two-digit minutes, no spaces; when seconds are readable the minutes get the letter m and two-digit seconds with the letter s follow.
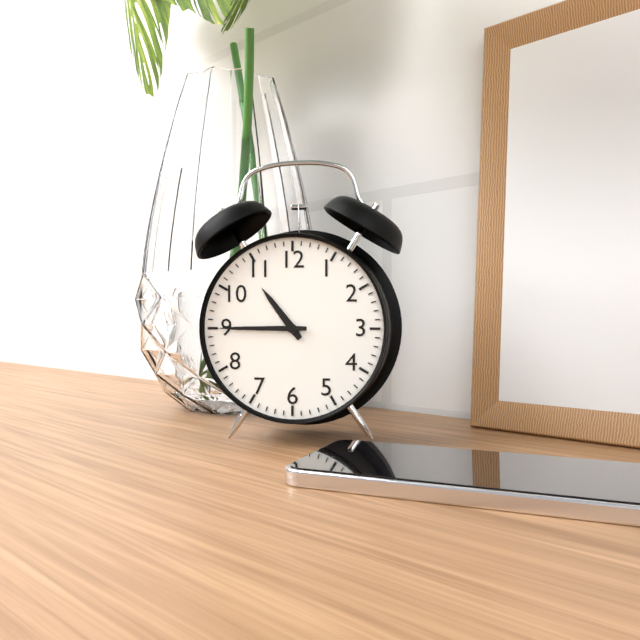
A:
10h45
